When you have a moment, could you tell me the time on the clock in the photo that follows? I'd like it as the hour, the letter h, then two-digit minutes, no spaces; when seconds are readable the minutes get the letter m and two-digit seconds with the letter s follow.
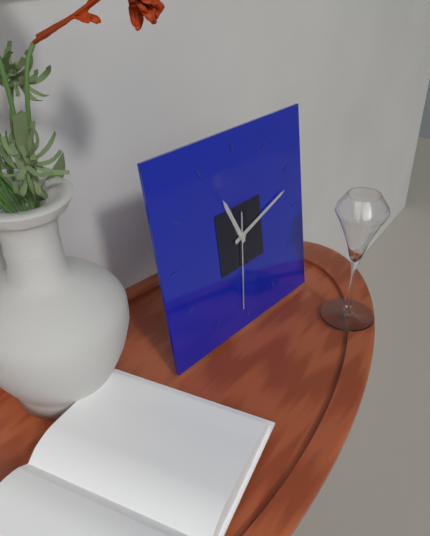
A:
11h12m31s
